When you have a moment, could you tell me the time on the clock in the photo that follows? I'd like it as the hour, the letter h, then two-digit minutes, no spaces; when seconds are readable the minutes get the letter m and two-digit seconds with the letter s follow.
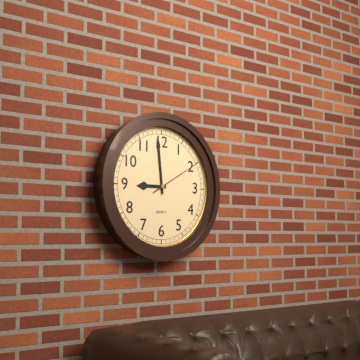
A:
8h59m10s
